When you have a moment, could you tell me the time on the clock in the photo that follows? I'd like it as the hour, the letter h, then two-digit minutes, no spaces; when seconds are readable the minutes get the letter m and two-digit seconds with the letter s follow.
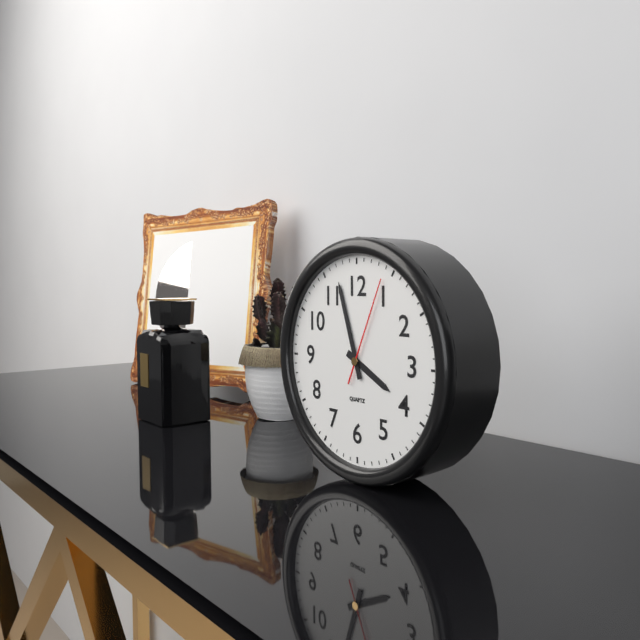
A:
3h57m04s
